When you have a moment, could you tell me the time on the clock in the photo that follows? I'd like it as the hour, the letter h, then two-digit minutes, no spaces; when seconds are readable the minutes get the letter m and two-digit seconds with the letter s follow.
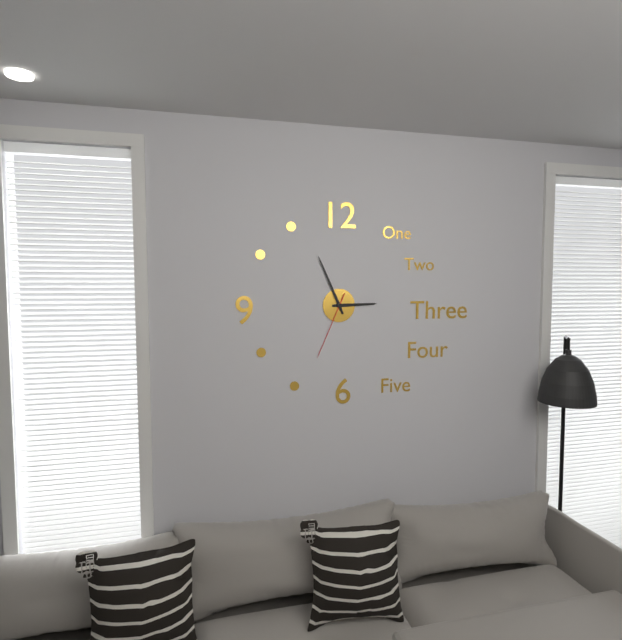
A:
2h56m34s
